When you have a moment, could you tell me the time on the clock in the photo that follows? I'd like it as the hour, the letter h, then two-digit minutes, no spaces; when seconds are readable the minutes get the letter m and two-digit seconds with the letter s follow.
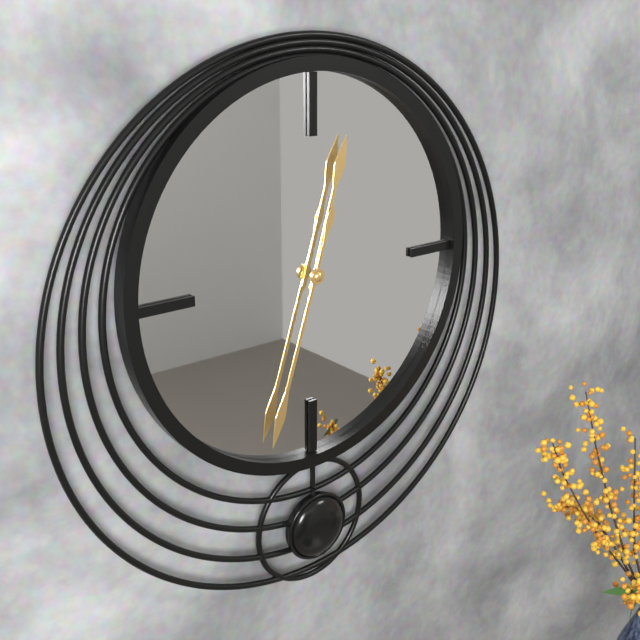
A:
12h33
